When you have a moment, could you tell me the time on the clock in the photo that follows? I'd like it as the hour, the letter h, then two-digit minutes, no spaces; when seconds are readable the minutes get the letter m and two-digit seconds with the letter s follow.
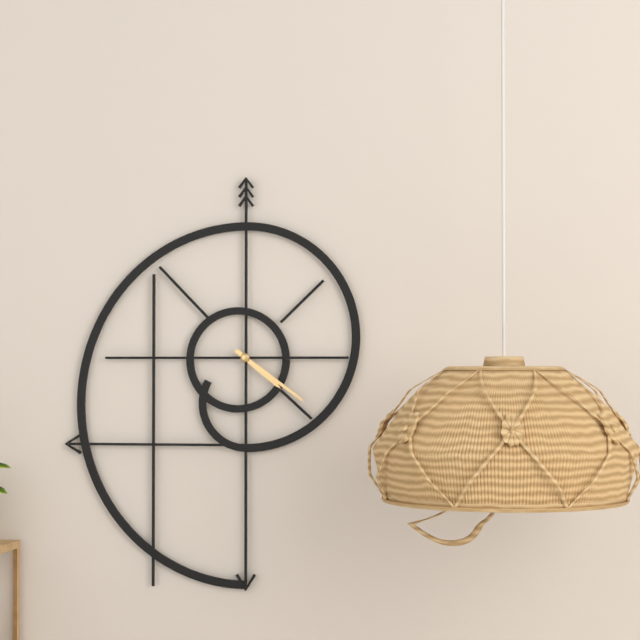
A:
4h21
